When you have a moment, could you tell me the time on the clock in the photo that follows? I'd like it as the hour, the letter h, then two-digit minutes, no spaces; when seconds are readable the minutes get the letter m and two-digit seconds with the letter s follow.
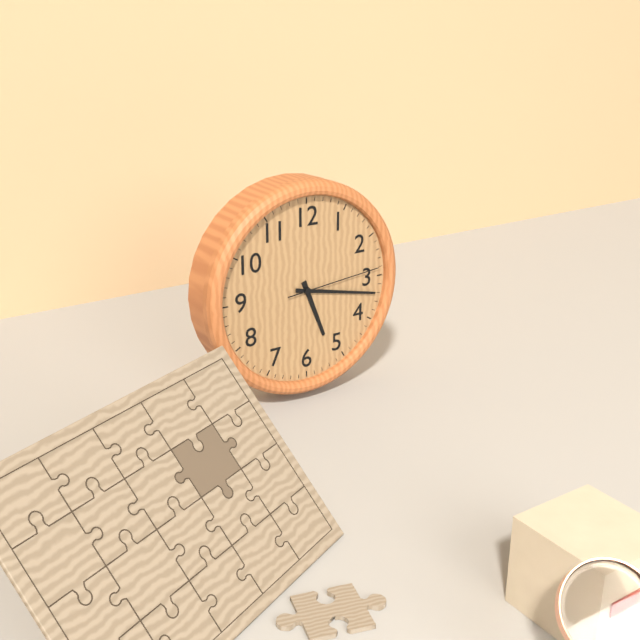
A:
5h17m14s
